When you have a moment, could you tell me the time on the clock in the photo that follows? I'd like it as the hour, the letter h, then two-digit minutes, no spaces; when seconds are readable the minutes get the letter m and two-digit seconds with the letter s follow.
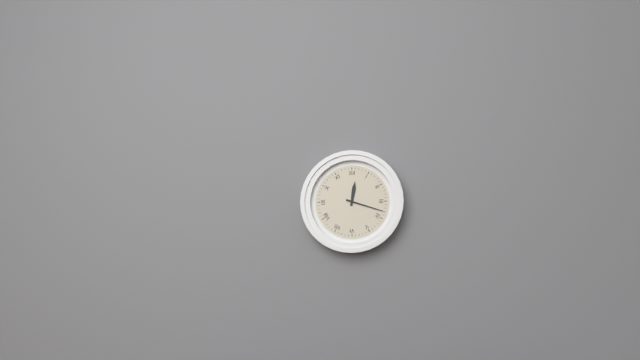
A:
12h18
